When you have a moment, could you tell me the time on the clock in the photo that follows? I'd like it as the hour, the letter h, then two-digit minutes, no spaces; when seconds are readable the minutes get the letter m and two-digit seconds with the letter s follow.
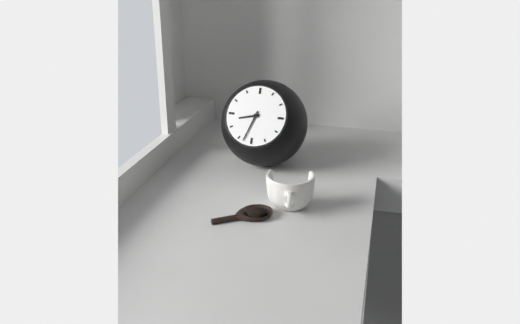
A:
8h33
